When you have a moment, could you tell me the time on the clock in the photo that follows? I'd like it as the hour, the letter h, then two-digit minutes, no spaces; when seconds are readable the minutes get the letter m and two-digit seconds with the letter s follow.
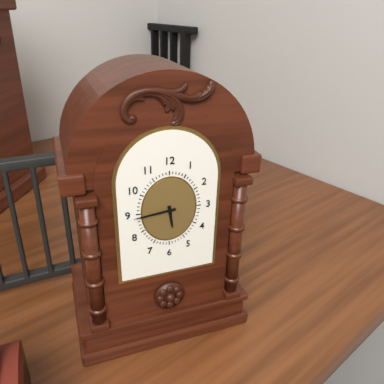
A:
5h44
